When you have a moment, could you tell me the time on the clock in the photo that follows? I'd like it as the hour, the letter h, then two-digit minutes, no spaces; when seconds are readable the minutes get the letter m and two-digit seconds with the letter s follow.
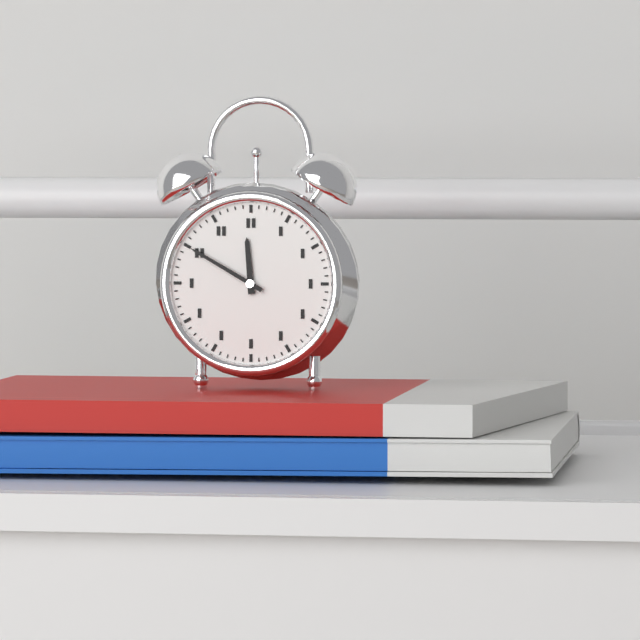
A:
11h50
